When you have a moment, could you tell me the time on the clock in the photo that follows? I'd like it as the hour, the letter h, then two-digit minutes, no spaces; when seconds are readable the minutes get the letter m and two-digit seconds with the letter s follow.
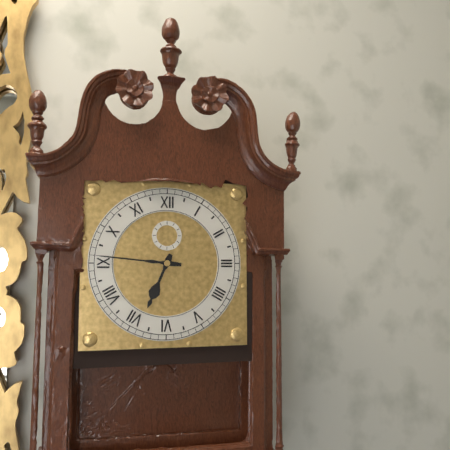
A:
6h46
